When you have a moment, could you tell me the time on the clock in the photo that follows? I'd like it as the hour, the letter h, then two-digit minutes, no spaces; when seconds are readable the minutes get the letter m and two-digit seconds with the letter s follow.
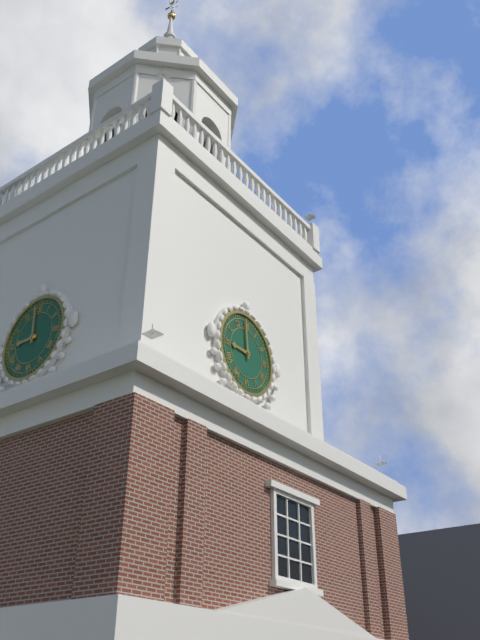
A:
8h59
